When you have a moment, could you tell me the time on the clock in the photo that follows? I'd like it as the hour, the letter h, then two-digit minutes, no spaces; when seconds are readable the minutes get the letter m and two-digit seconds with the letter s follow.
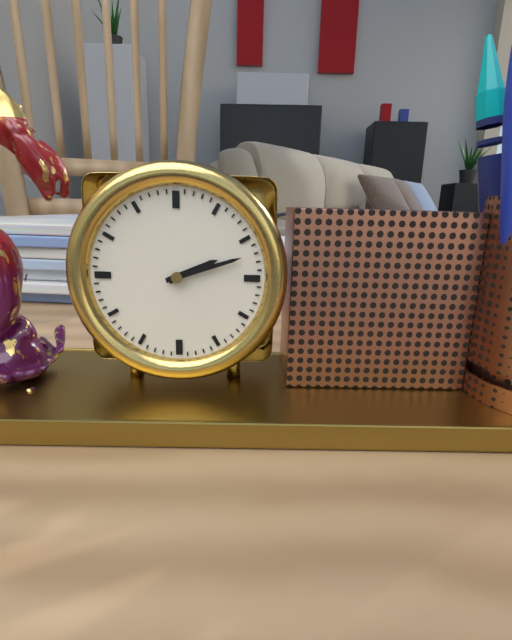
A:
2h12
